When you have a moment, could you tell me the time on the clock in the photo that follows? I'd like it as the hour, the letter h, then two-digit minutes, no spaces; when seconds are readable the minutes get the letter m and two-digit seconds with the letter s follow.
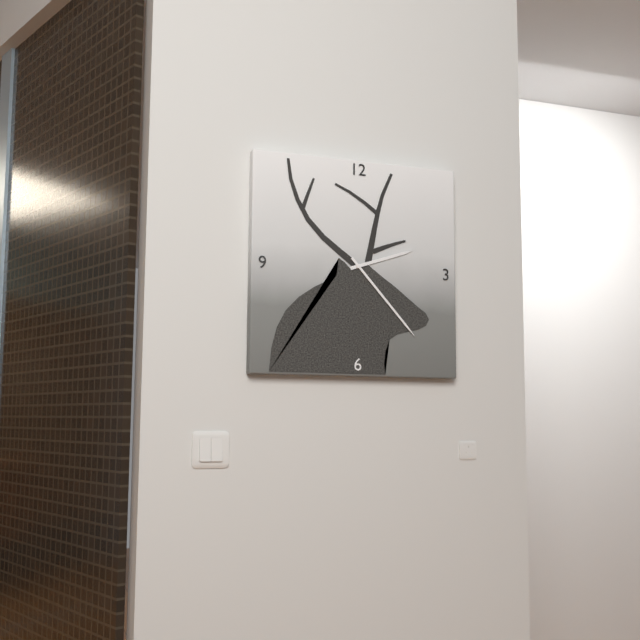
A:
2h23
